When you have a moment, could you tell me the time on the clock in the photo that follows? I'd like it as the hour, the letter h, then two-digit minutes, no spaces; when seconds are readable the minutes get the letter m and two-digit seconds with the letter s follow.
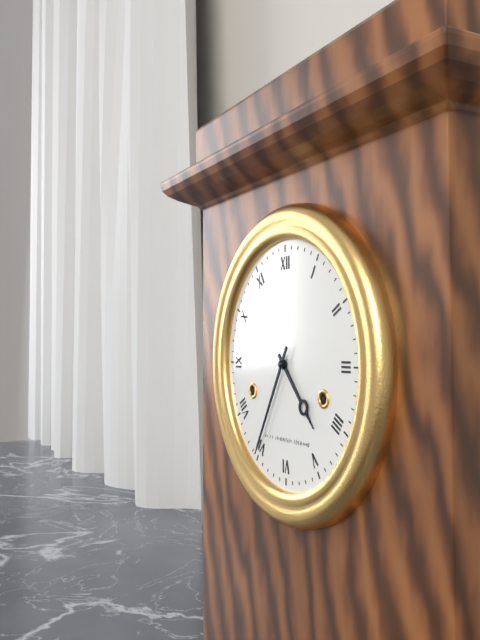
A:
4h35
